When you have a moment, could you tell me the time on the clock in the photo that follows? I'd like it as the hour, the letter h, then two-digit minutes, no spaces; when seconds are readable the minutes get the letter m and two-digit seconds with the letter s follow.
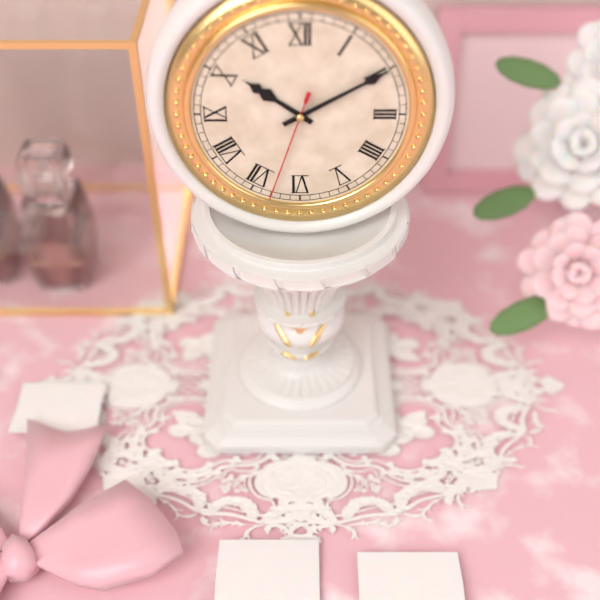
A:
10h10m33s
